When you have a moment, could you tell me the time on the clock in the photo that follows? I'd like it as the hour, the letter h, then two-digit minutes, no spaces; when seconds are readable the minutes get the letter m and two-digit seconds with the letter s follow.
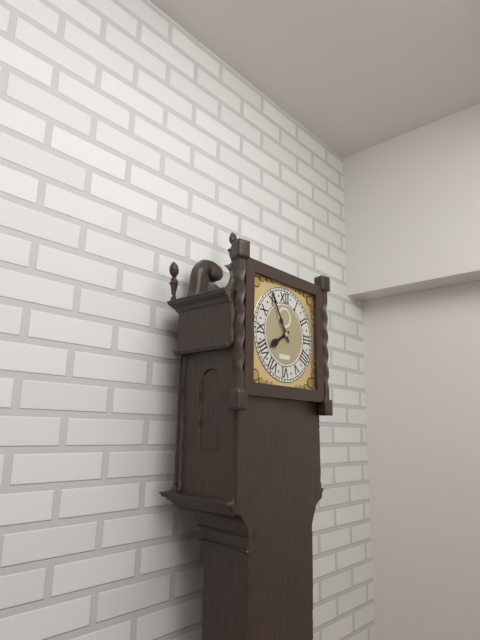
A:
7h55
